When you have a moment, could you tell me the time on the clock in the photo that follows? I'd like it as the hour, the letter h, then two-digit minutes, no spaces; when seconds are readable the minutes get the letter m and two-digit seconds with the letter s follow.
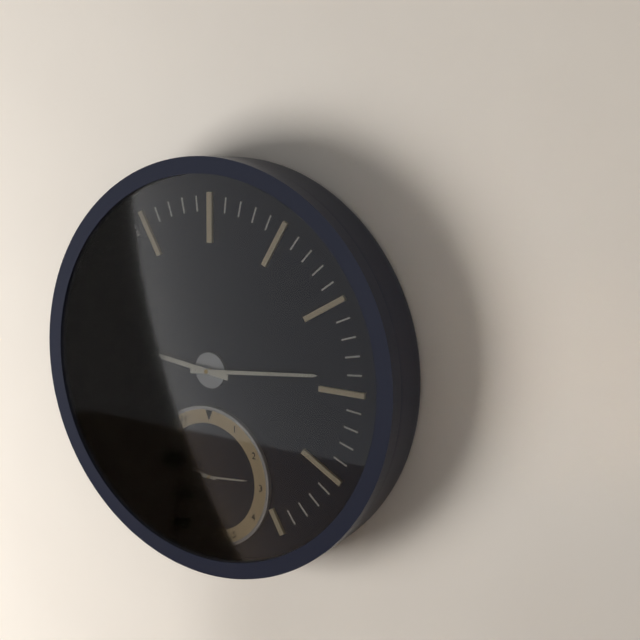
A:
9h14
